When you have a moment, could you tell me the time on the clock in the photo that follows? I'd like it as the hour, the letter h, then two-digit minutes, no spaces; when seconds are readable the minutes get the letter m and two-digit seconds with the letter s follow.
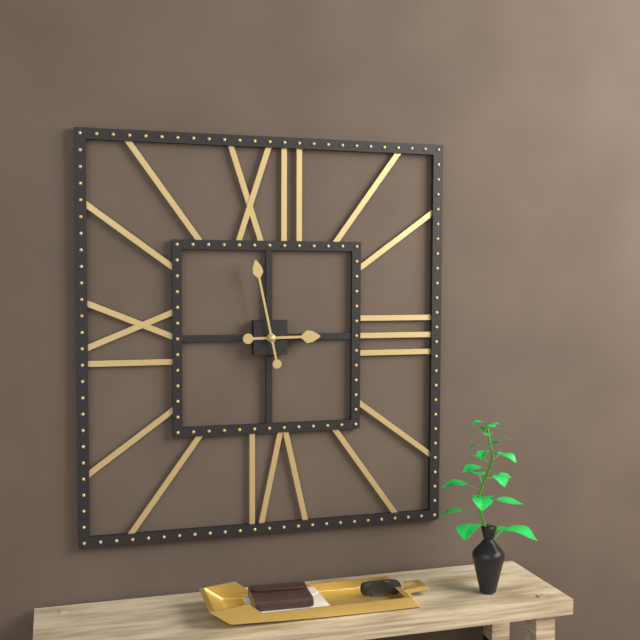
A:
2h58
